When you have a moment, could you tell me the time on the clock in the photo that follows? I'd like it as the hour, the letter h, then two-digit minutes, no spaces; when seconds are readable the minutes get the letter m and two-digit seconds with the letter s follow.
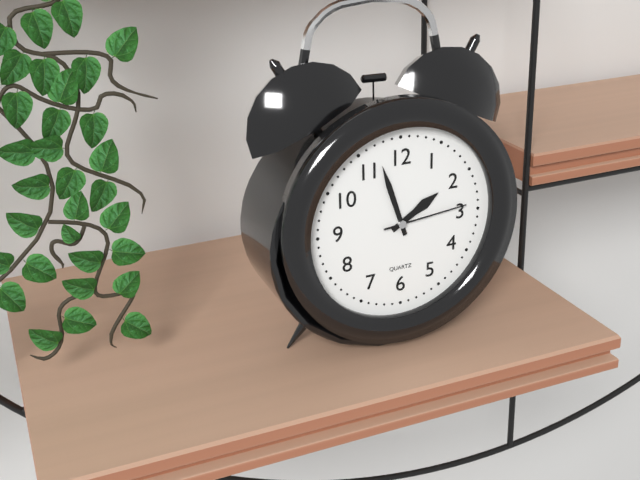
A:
1h57m14s
